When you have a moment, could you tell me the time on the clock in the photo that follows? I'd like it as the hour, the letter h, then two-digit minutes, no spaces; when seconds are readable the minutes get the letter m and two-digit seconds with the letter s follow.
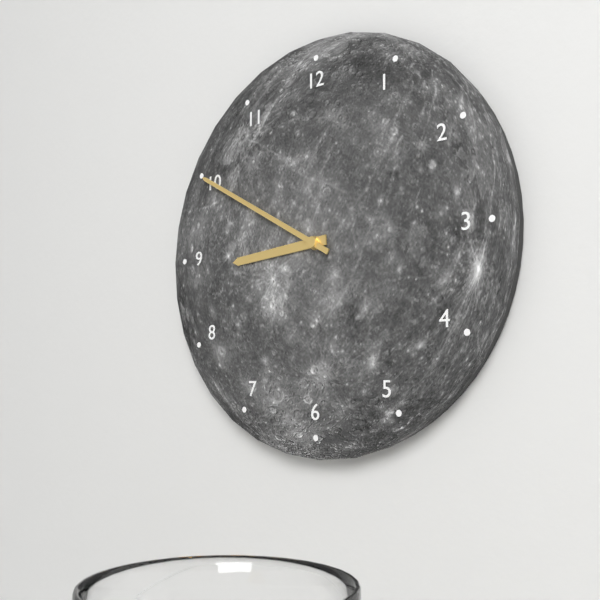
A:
8h50
